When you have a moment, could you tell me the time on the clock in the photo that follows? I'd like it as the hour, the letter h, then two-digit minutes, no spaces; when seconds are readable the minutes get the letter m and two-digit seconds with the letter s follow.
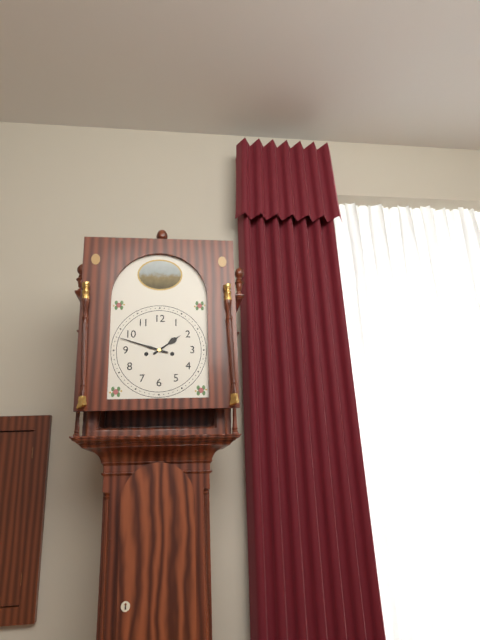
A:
1h48
